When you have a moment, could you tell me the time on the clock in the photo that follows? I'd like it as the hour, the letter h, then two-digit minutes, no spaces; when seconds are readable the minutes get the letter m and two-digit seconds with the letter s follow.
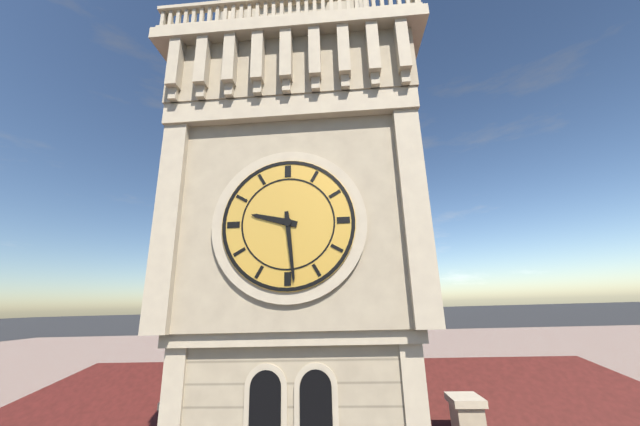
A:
9h29
